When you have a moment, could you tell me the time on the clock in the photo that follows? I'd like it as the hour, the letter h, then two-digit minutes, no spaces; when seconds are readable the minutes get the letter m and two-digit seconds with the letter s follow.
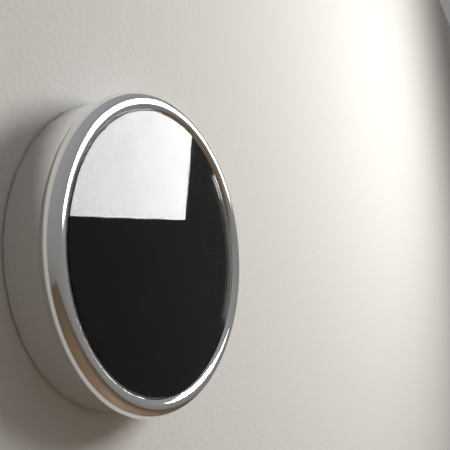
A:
9h53
